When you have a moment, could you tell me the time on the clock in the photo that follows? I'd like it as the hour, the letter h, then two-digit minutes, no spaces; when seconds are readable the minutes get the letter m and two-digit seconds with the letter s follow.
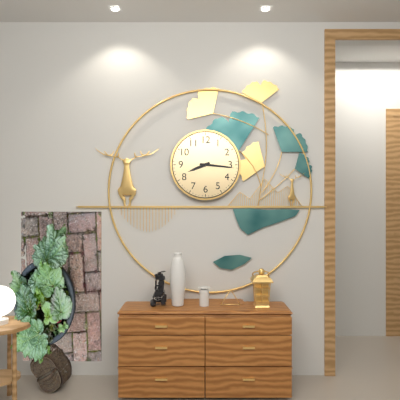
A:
8h16
